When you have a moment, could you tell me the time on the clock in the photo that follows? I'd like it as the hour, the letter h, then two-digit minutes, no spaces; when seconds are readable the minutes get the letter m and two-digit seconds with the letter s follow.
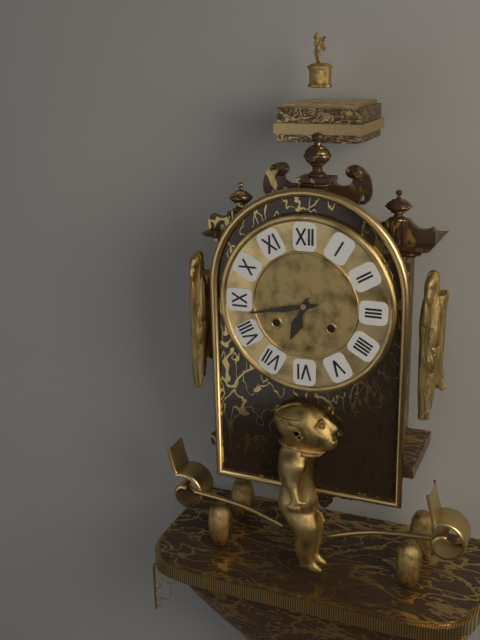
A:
6h43
